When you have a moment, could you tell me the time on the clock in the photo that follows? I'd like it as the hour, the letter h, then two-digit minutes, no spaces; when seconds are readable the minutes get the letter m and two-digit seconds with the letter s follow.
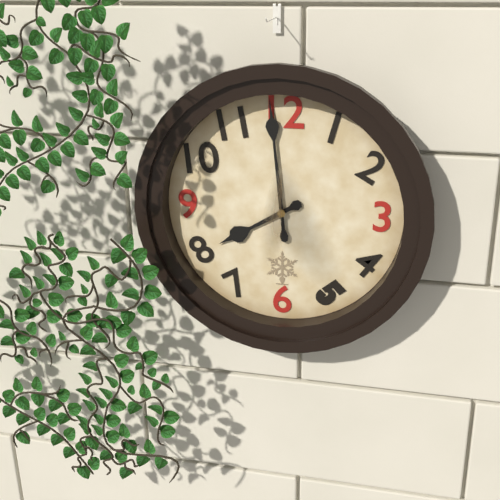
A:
7h59
